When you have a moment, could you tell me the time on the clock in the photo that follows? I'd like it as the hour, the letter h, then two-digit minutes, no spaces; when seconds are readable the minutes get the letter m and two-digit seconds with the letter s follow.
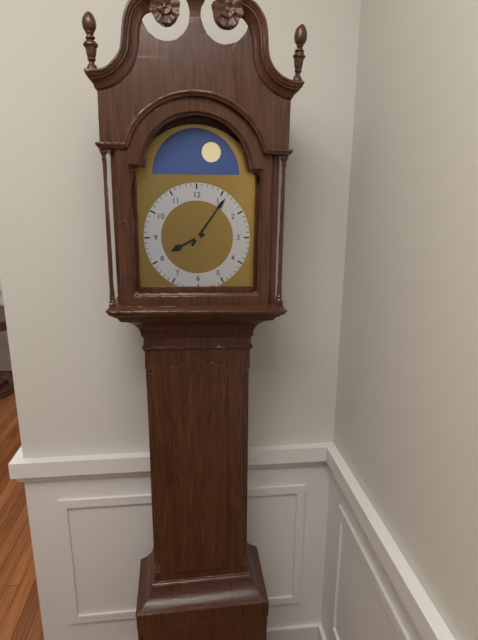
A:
8h06
